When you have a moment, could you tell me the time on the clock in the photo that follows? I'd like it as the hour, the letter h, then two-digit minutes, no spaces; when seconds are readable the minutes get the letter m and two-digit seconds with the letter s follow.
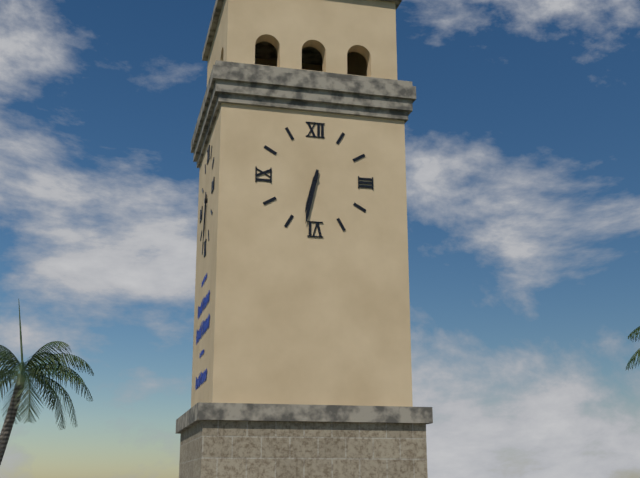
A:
6h32
